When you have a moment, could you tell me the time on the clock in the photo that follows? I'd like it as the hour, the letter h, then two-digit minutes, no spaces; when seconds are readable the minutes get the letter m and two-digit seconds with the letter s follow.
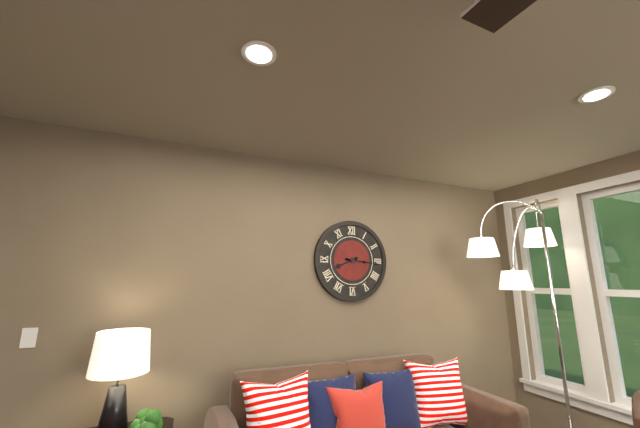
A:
8h16
